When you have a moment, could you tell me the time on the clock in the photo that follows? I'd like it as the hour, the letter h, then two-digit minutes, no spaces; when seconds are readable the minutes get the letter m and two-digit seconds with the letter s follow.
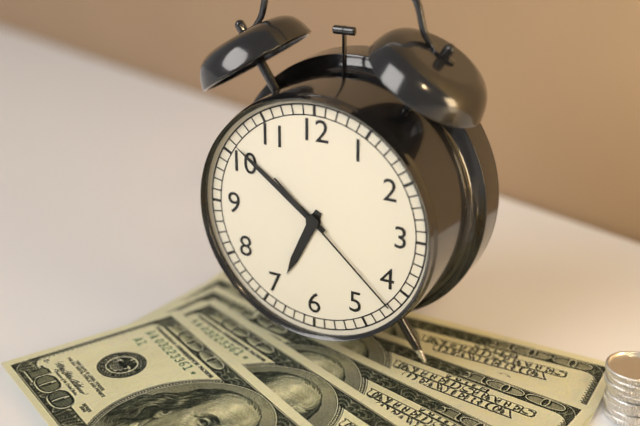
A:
6h51m22s
